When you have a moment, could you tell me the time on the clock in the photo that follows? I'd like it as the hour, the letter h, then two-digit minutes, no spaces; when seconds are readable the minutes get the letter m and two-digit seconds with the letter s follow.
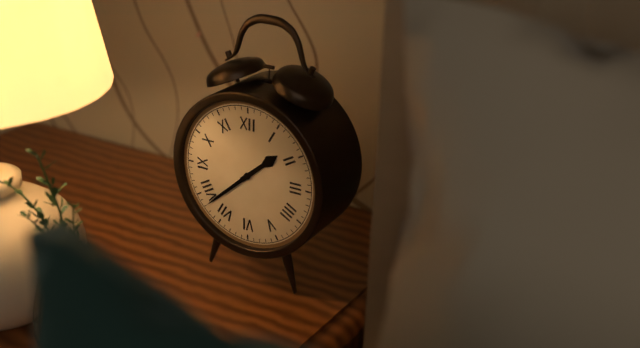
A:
1h38
